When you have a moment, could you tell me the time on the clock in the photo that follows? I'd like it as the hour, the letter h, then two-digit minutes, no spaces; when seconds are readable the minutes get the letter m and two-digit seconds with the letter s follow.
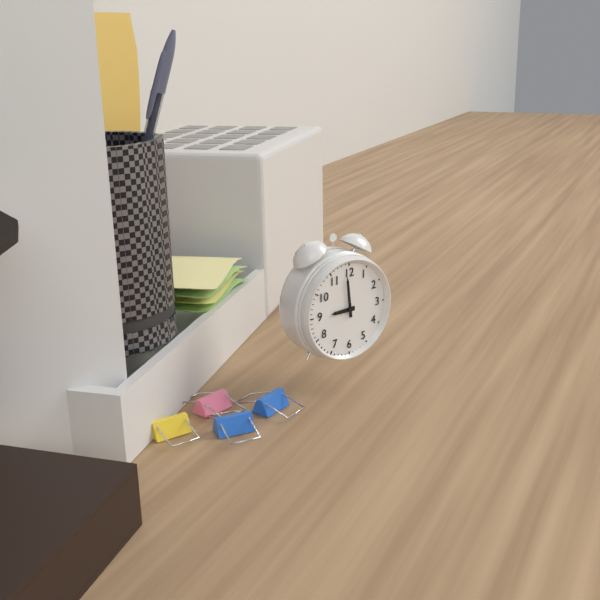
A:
8h59
